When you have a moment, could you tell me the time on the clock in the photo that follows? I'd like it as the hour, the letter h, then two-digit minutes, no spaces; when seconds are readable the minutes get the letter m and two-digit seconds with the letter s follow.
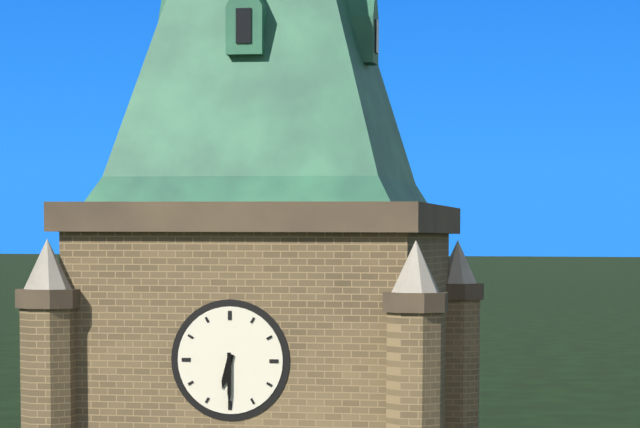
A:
6h30
